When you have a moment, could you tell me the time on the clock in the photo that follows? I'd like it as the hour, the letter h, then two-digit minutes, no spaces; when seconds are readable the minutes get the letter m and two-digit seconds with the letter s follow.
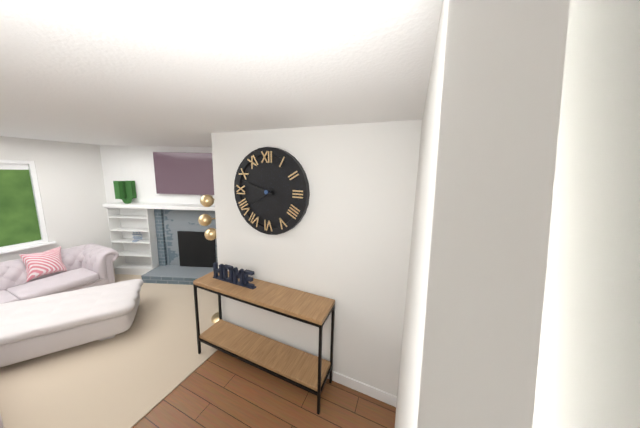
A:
7h48
